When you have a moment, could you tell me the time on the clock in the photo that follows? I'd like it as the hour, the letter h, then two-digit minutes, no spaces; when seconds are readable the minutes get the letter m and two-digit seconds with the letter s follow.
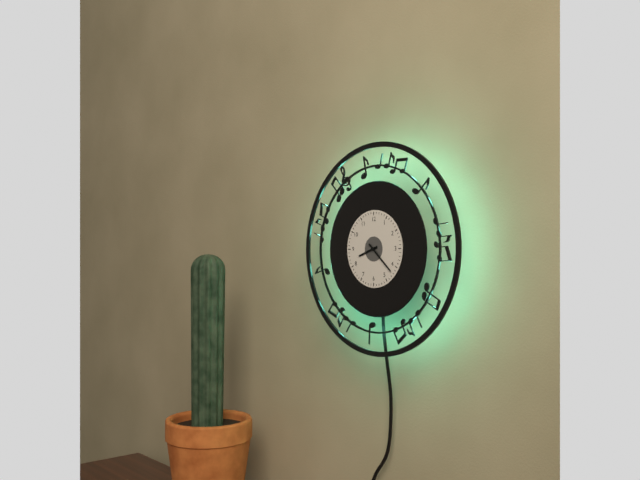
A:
8h22
